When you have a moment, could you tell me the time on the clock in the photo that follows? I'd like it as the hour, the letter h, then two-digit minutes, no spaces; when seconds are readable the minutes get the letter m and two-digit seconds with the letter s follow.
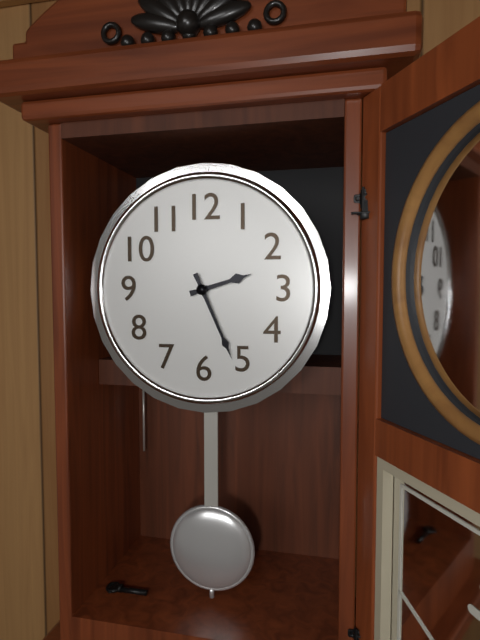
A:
2h26
